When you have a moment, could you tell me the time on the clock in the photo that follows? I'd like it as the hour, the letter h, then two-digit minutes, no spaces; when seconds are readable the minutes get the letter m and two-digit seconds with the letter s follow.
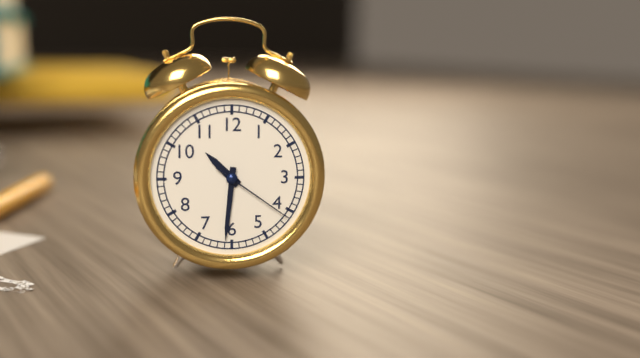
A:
10h31m21s
